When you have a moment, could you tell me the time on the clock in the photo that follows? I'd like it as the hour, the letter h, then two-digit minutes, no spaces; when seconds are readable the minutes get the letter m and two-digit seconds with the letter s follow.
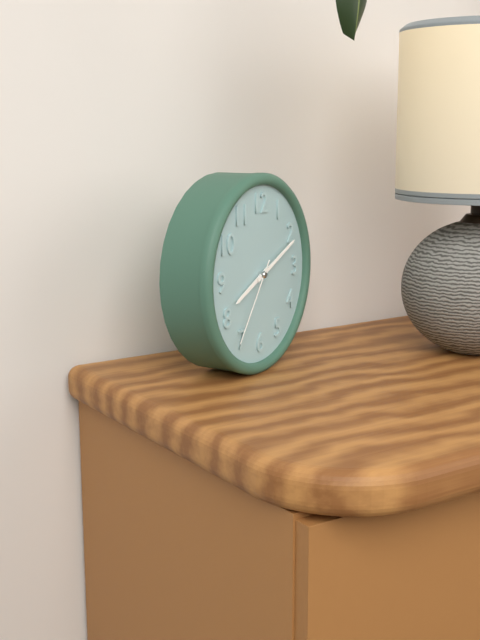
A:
8h11m36s
